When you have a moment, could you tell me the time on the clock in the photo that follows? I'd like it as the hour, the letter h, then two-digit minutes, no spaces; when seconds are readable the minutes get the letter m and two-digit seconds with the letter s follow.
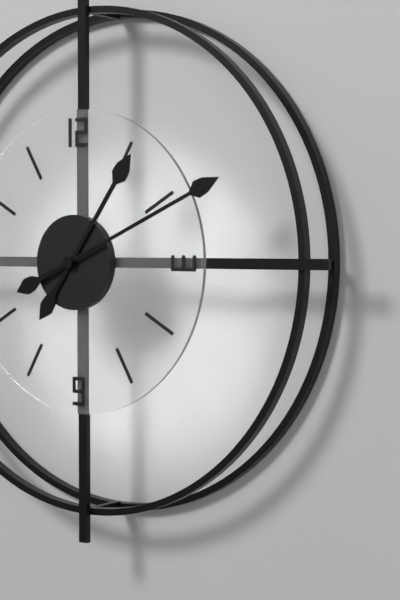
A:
1h11
